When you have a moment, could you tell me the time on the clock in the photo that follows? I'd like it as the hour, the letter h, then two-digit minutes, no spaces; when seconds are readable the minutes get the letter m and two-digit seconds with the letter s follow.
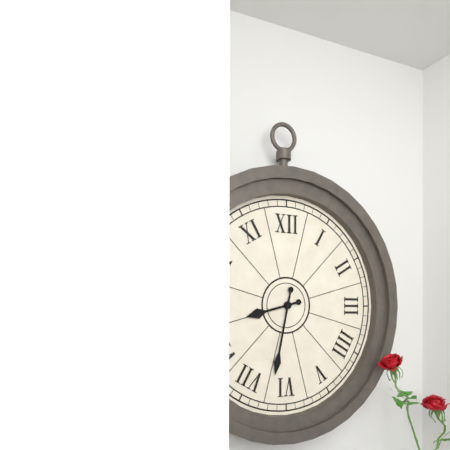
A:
8h32
